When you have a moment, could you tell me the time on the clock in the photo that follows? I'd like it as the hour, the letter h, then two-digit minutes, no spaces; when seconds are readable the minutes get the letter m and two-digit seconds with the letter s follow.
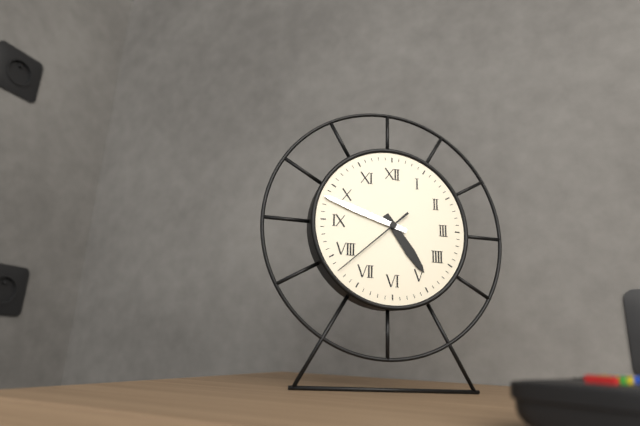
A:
4h48m38s
